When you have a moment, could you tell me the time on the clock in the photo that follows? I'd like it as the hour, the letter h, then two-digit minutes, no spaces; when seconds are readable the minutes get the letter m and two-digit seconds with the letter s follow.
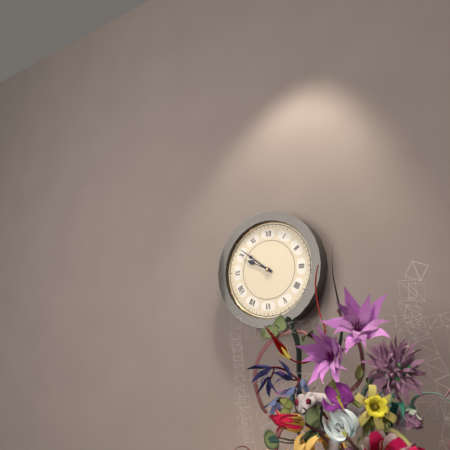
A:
9h51
